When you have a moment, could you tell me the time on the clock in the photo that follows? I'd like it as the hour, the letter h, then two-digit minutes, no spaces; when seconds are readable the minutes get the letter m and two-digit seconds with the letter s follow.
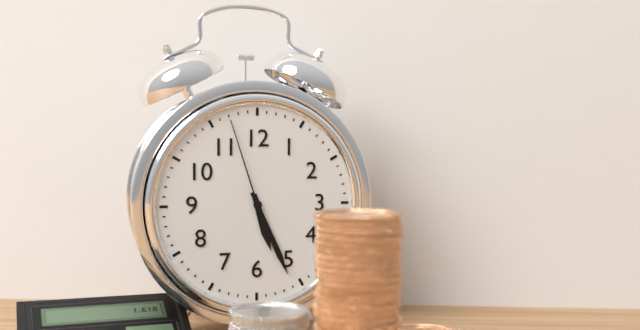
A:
5h26m57s
